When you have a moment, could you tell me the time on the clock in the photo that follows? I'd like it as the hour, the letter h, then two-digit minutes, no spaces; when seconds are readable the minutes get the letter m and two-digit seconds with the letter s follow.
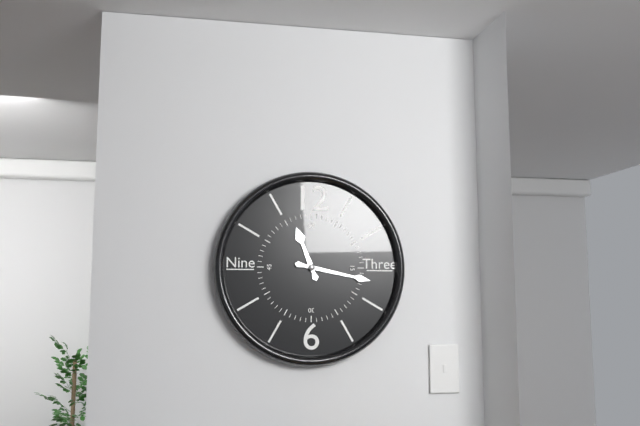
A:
11h17
